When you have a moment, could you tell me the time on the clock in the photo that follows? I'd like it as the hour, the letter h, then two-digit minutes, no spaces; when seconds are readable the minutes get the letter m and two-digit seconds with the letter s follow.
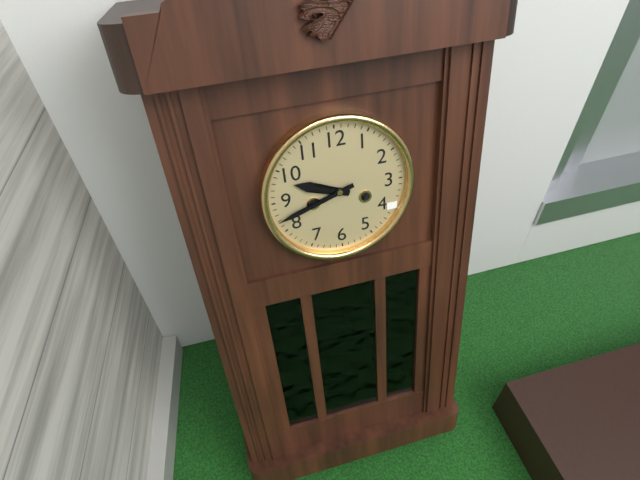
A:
9h42
